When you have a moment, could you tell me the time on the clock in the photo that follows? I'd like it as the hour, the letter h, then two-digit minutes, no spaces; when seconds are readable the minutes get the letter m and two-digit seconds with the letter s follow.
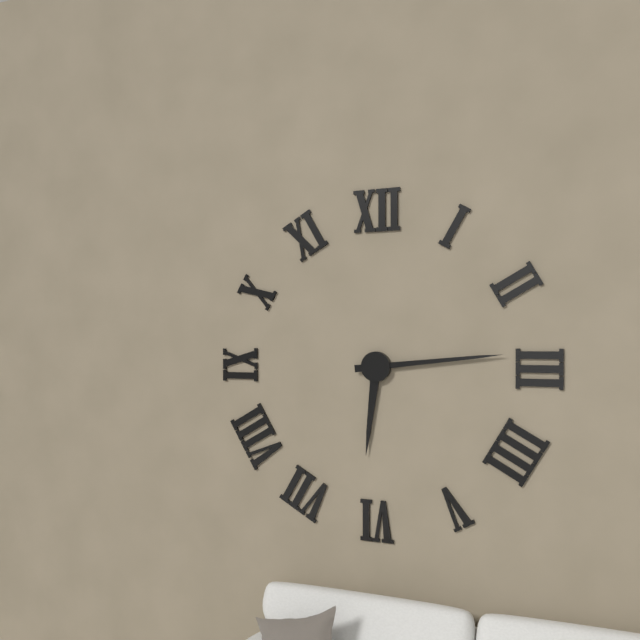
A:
6h14
